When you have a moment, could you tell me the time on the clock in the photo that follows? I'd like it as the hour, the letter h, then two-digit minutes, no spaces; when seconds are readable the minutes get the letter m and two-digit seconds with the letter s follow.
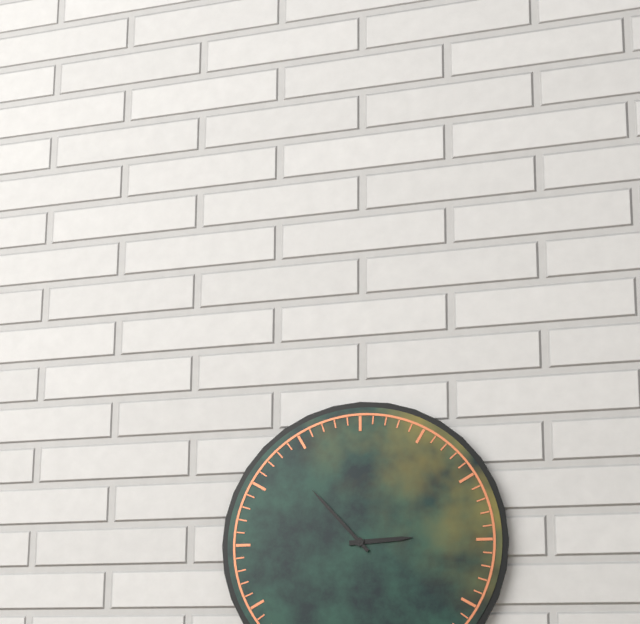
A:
2h53
